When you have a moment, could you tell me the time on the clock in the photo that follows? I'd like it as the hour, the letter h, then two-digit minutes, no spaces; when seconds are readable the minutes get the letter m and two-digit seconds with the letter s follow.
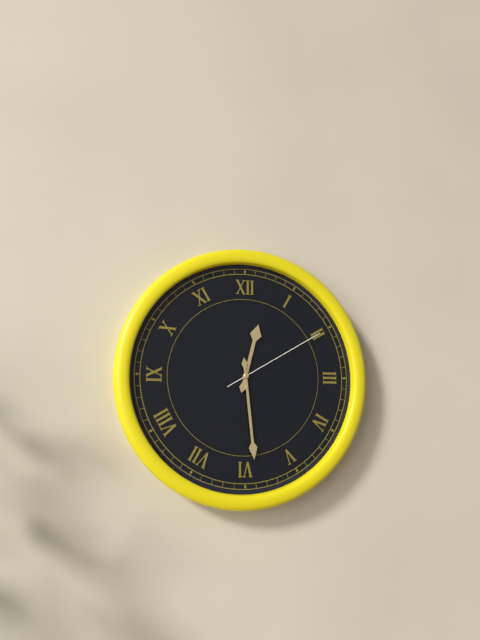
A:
12h29m10s
